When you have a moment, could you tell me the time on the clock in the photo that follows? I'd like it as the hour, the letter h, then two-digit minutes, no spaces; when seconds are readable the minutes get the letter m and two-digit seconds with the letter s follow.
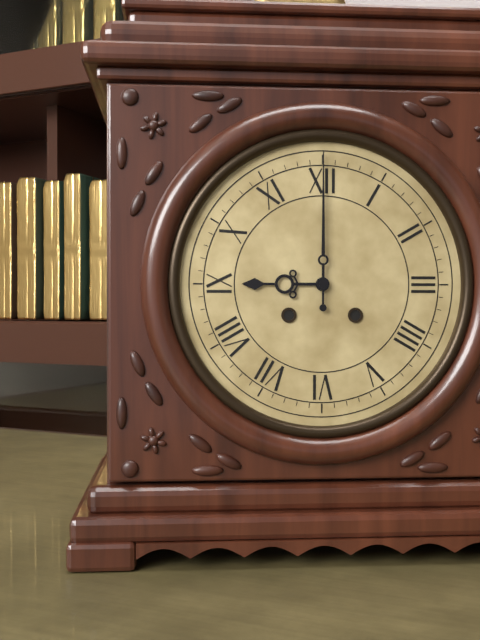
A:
9h00
